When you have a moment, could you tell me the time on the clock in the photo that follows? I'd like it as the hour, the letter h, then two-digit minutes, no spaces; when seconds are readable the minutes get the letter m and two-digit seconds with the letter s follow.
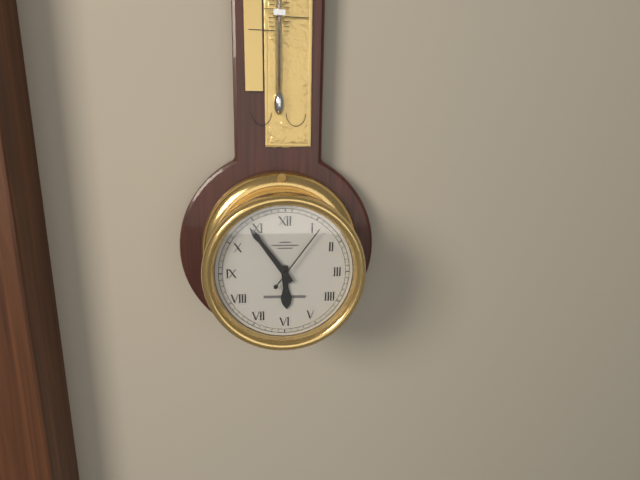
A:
5h54m06s
